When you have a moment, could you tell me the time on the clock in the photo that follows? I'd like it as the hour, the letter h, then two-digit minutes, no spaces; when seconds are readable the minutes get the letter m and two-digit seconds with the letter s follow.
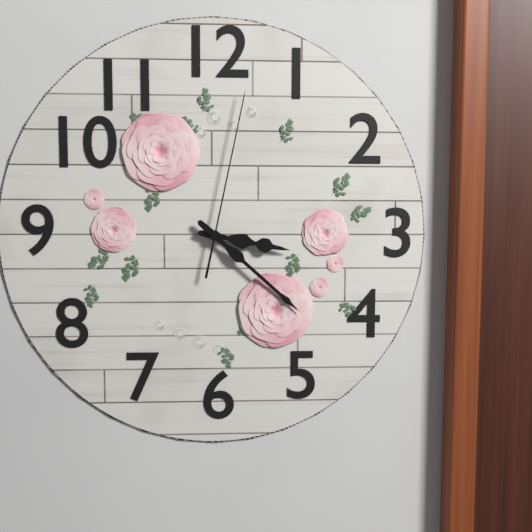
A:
3h22m02s
